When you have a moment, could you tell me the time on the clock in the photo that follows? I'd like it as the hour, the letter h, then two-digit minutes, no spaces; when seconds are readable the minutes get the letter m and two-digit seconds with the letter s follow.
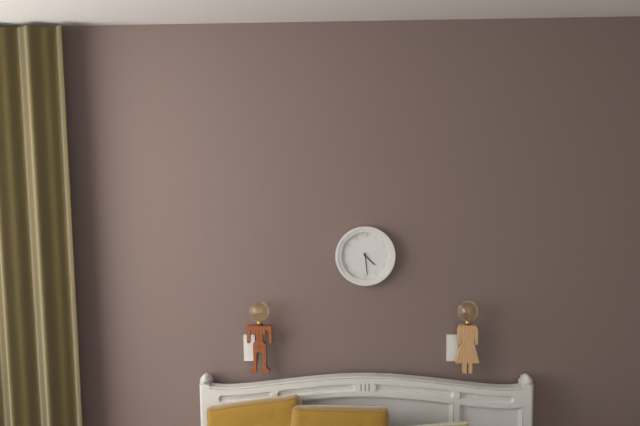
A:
4h29
